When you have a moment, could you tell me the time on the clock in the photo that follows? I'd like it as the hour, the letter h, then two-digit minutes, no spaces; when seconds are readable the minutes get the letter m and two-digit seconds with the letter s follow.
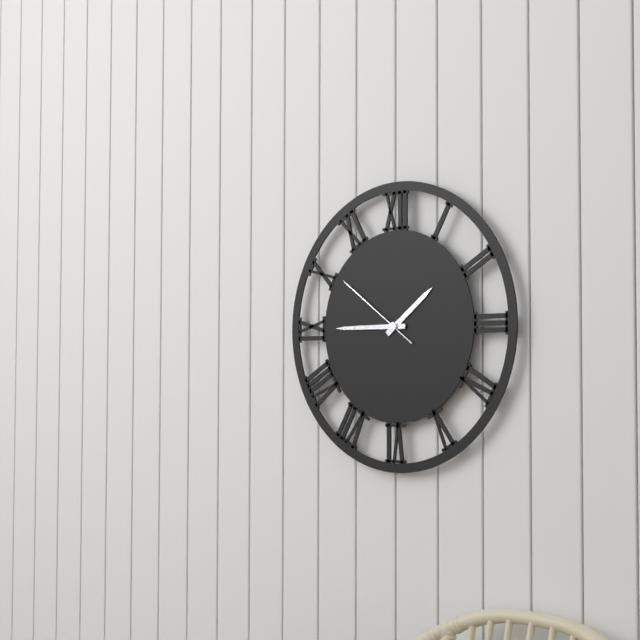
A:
1h45m51s
